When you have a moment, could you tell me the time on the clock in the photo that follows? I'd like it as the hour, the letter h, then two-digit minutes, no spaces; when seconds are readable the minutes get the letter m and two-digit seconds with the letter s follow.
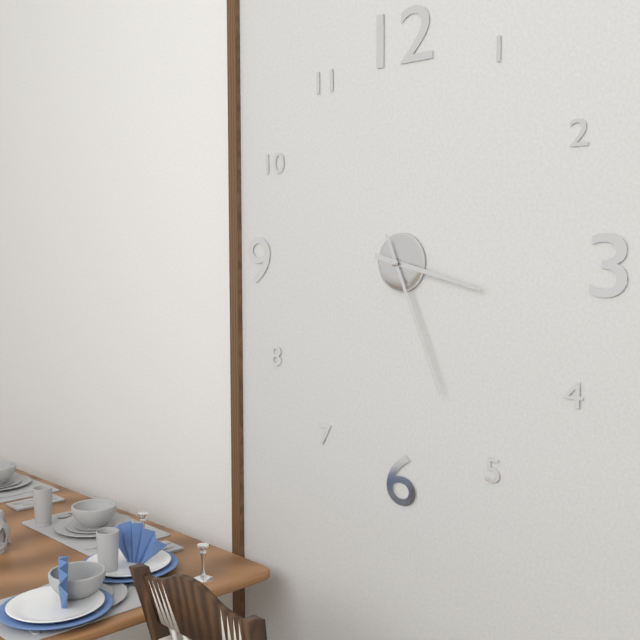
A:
3h26
